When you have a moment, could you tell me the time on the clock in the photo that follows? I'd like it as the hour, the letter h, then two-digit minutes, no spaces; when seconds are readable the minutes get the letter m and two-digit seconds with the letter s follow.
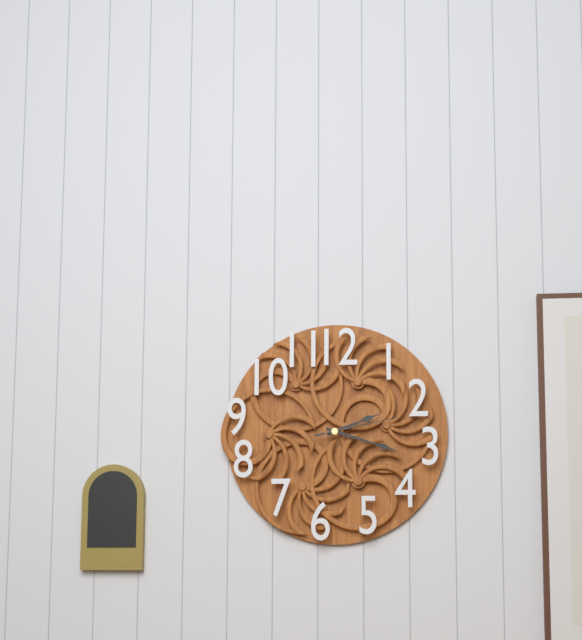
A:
2h18m13s
